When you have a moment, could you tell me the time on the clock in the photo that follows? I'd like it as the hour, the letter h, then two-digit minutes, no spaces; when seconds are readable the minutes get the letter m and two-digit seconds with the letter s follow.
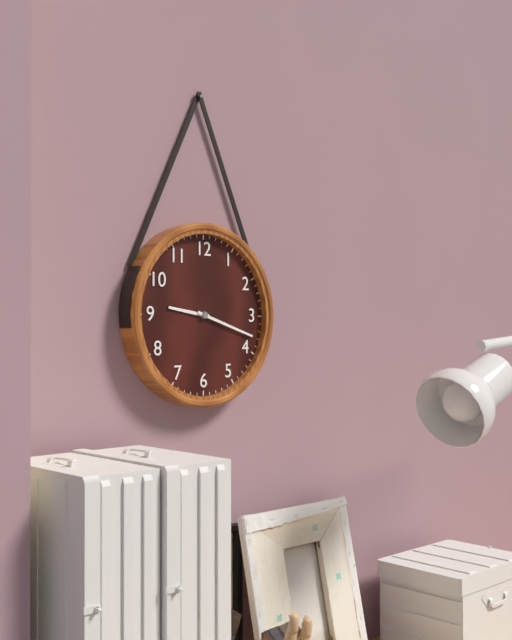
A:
9h18
